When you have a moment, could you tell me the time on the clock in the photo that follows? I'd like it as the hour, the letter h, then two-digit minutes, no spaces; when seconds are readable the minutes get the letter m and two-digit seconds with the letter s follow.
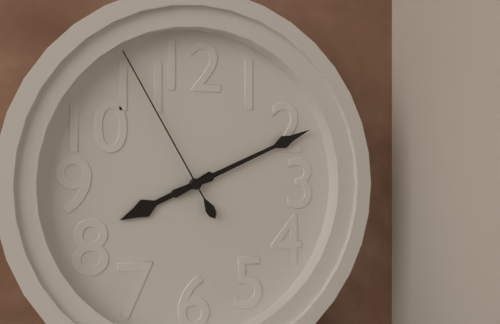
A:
8h11m55s
